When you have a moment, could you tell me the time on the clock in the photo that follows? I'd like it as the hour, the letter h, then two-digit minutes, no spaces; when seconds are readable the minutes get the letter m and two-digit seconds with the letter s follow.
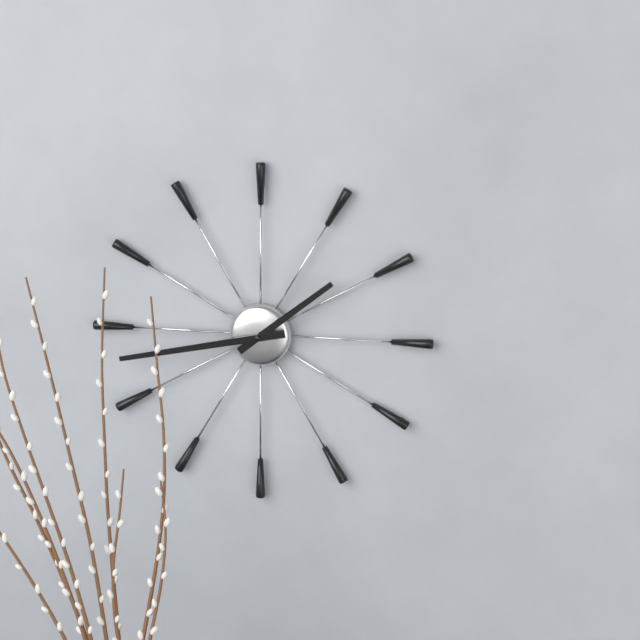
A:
1h43
